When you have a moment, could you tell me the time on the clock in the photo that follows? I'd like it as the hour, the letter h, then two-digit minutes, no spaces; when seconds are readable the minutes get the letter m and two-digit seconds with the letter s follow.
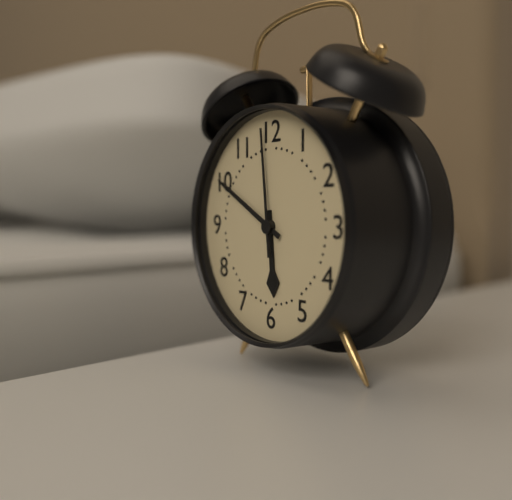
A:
5h50m59s
